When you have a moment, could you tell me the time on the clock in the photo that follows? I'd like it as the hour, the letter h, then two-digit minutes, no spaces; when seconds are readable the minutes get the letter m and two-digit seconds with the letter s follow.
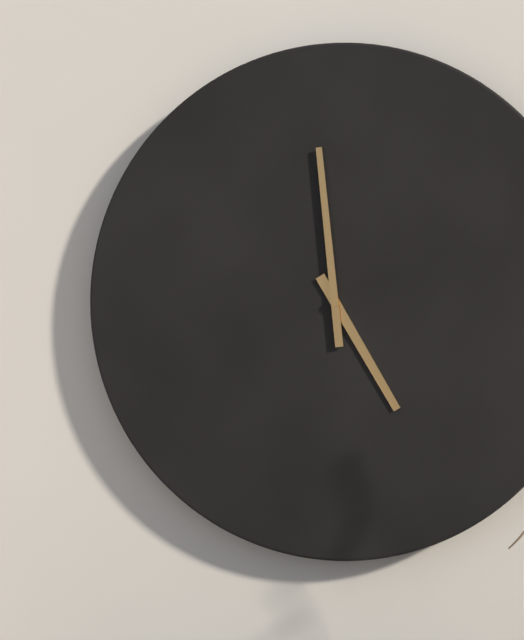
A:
4h59
